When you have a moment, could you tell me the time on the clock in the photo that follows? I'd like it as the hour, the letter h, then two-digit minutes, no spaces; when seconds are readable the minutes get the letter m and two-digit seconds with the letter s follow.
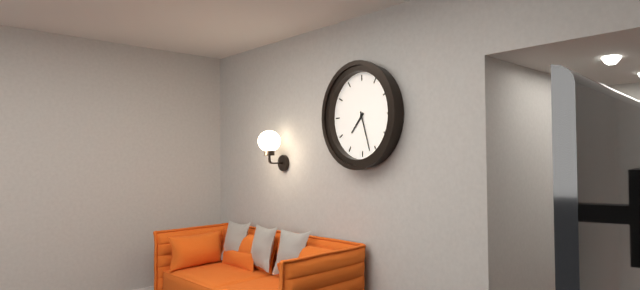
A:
7h27
